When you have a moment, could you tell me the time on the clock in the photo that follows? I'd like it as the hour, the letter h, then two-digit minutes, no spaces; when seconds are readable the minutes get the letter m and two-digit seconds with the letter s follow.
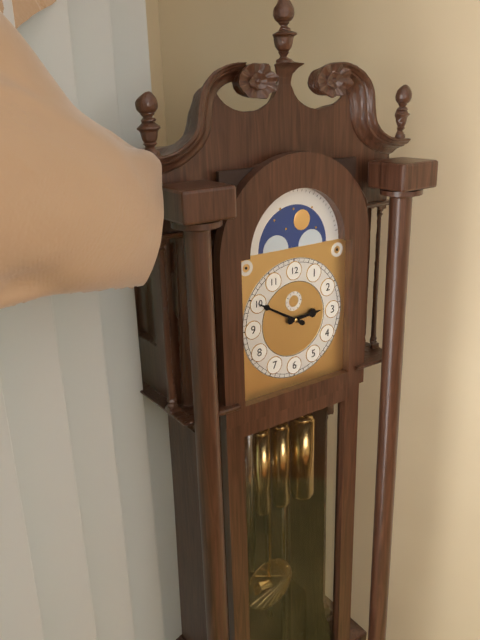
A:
2h50
